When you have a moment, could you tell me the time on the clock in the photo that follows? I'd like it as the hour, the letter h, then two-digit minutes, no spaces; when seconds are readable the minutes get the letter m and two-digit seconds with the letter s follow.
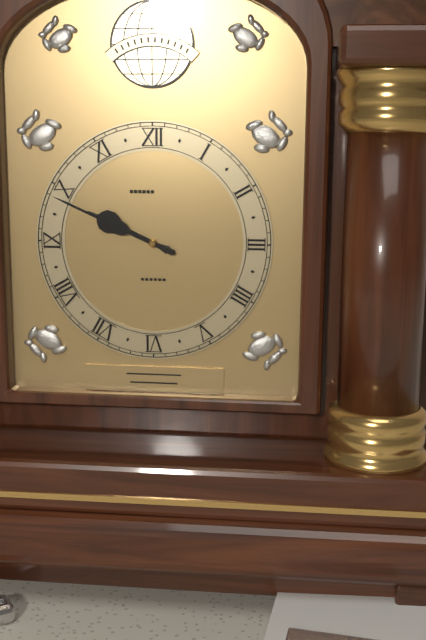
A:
9h49
